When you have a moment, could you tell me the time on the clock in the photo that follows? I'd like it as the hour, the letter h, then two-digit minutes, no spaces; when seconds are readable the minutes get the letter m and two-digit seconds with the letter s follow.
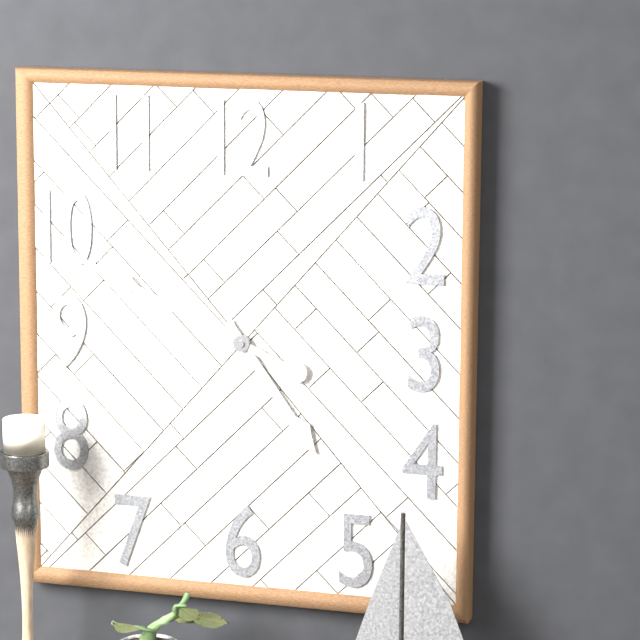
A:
4h49
